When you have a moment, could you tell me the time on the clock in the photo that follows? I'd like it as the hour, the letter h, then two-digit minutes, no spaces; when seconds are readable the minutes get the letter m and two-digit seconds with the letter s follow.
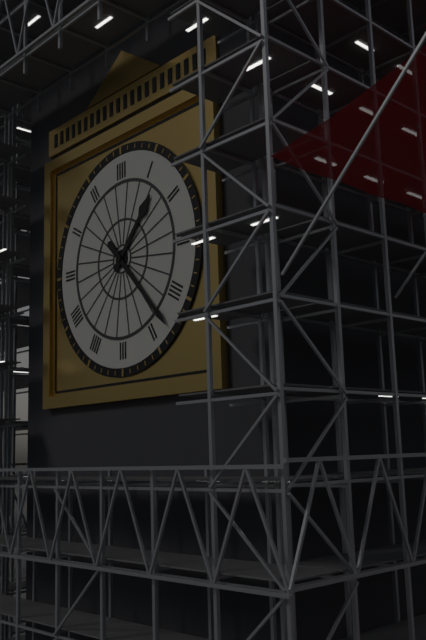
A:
1h23
